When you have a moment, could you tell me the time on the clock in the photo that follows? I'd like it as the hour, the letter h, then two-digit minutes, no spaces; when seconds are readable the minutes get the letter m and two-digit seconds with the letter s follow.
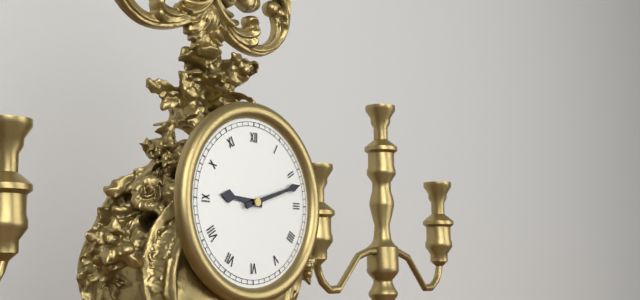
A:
9h12
